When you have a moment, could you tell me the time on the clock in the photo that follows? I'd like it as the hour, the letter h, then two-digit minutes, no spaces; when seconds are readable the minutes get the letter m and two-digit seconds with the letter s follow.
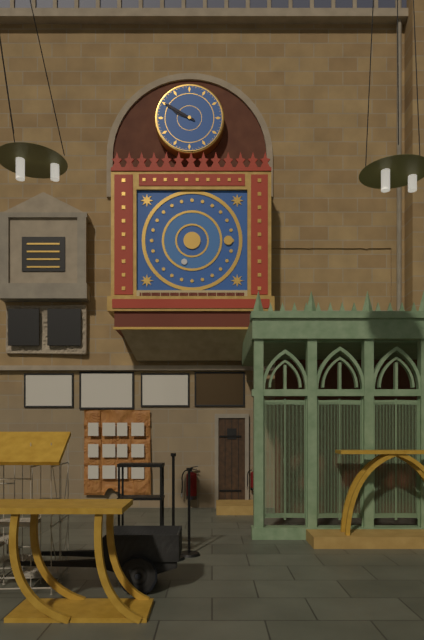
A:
9h50
